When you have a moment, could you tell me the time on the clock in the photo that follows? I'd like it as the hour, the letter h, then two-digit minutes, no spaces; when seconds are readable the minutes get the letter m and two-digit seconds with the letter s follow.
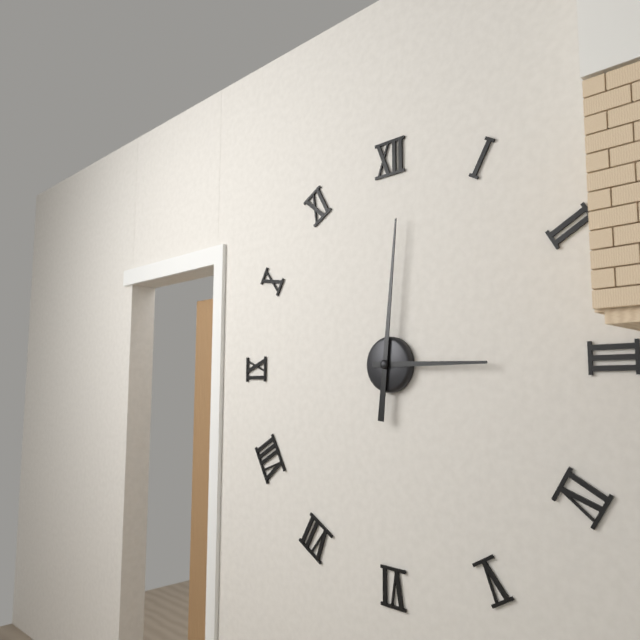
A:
3h01
